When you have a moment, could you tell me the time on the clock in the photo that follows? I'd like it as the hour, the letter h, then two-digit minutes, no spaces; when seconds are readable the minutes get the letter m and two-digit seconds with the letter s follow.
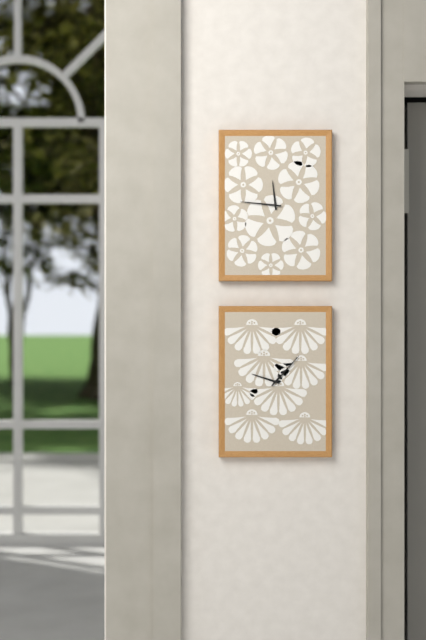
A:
11h46
